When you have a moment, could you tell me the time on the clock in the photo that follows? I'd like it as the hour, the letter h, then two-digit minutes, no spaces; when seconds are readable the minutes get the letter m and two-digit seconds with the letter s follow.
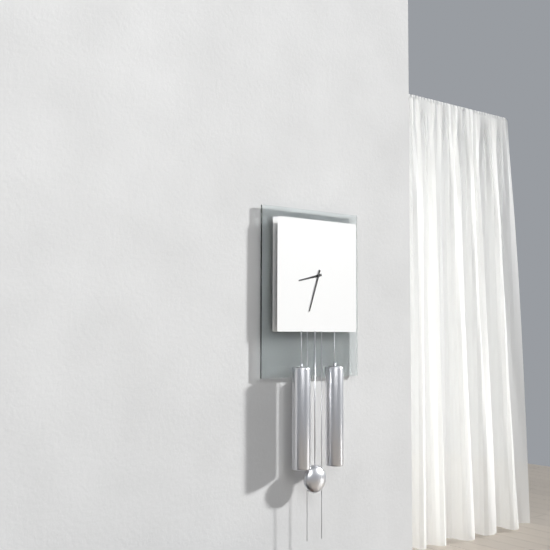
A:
8h33
